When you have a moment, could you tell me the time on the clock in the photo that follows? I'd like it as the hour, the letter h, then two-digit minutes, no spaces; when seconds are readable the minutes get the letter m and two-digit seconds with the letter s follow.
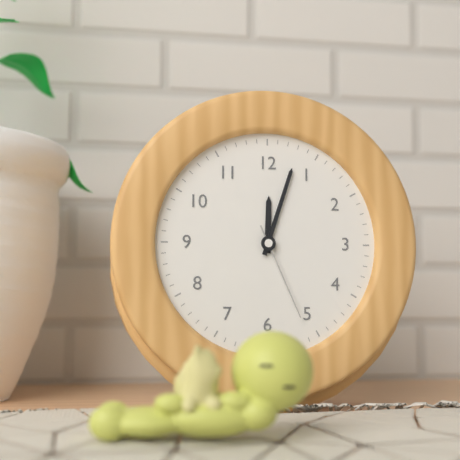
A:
12h03m26s
